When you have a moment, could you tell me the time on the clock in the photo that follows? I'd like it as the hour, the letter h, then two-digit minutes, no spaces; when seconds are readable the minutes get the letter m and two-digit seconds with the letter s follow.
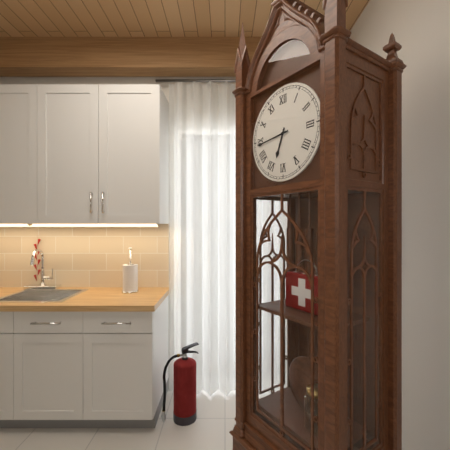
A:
6h44
